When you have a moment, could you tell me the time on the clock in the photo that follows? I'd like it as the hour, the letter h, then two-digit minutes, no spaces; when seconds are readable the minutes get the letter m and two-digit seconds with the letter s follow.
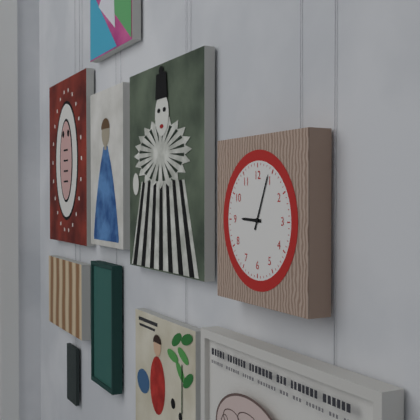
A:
9h04
